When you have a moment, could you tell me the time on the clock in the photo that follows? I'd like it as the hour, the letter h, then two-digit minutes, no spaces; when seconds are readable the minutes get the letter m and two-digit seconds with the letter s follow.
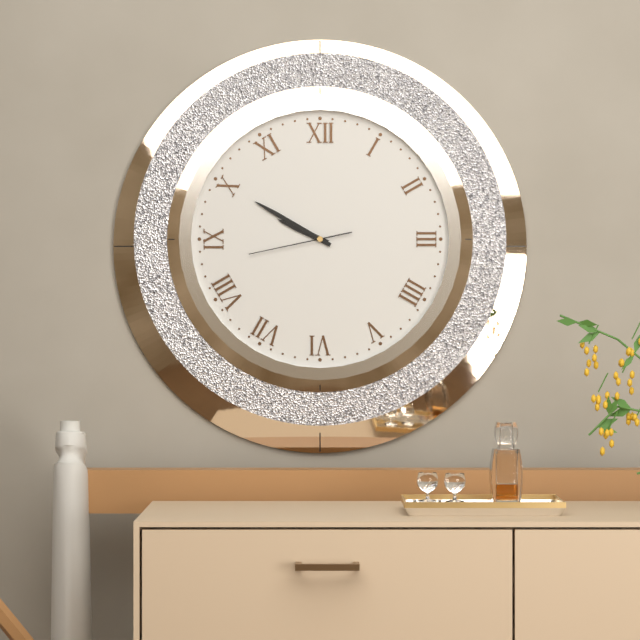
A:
9h50m43s
